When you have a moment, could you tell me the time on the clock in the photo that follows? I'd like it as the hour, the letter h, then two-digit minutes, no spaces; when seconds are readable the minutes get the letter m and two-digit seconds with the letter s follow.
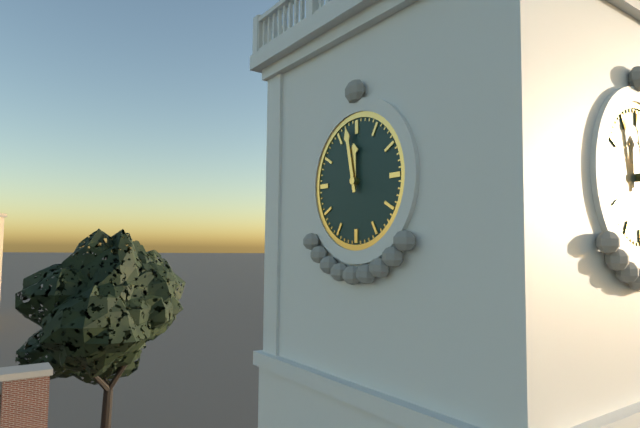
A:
11h58
